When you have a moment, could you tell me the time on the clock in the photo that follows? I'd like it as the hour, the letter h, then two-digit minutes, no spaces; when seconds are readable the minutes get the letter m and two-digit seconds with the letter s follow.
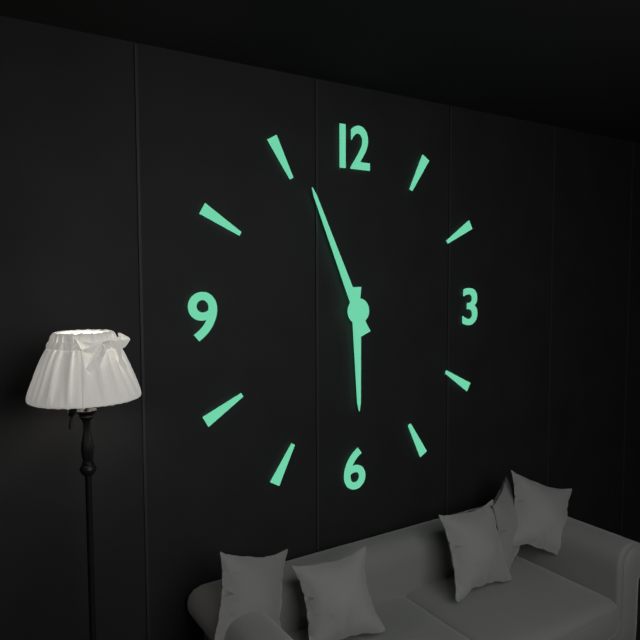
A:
5h56
